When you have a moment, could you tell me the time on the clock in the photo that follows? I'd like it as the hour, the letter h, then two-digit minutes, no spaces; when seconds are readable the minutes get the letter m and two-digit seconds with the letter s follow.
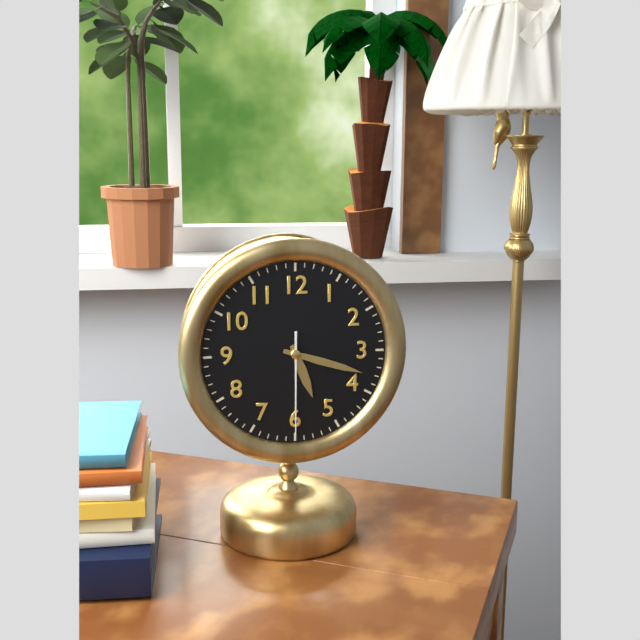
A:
5h18m30s
